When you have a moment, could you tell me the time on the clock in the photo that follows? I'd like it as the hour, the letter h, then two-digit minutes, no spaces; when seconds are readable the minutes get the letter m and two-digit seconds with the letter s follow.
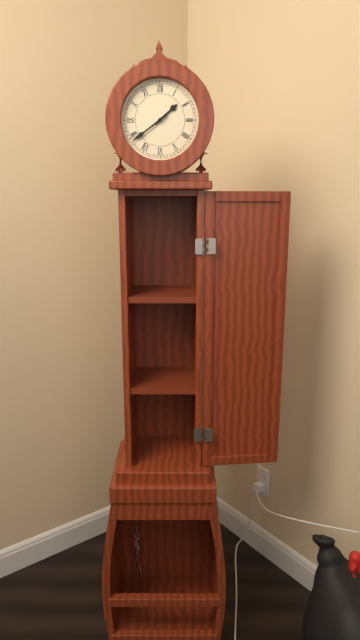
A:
1h39
